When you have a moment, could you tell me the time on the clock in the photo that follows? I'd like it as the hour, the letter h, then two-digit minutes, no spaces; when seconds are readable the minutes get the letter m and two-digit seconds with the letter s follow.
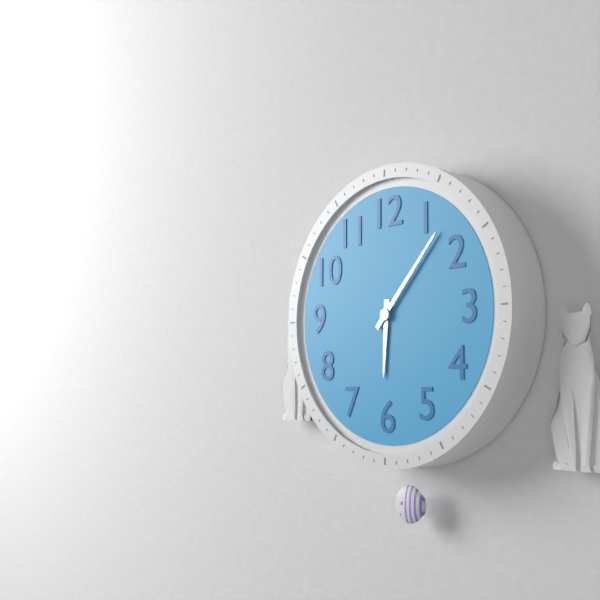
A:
6h07
